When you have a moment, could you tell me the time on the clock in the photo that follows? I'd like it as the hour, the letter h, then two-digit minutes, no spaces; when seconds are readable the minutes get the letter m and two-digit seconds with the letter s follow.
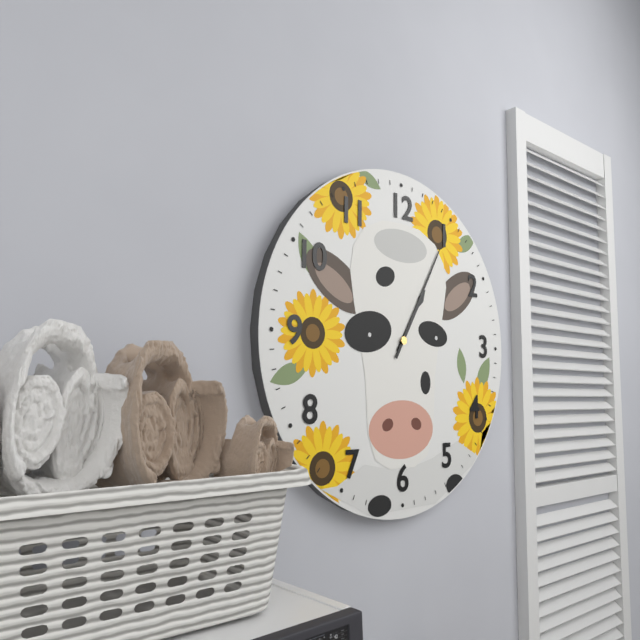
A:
1h05
